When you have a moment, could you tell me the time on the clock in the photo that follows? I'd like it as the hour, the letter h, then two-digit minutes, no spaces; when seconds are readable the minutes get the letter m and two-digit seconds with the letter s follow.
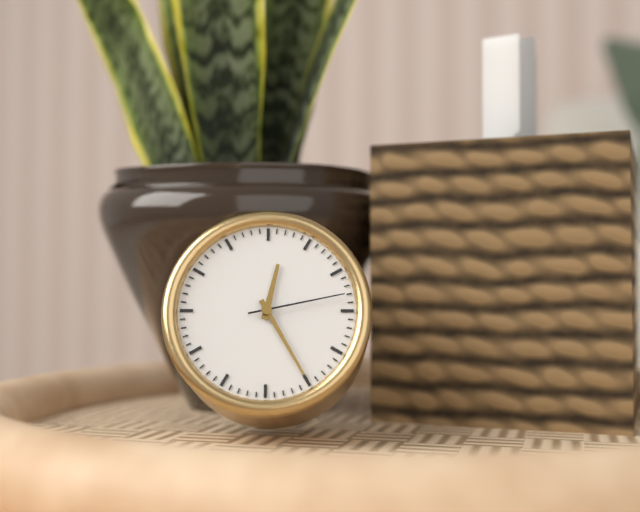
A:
12h25m13s
